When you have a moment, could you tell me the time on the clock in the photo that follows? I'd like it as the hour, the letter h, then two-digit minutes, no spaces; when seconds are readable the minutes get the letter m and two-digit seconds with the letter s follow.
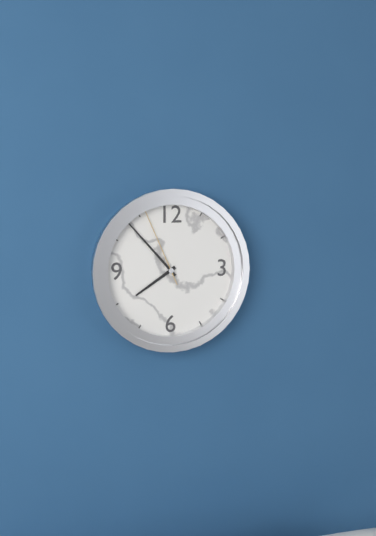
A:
7h53m56s
